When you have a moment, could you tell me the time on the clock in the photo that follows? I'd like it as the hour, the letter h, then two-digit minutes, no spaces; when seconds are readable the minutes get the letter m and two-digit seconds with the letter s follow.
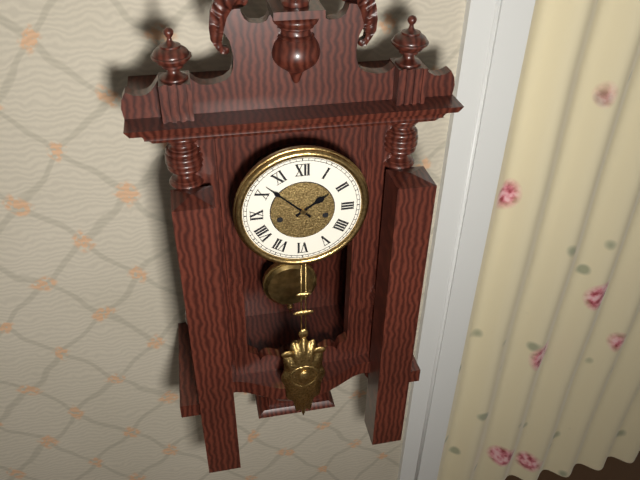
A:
1h52
